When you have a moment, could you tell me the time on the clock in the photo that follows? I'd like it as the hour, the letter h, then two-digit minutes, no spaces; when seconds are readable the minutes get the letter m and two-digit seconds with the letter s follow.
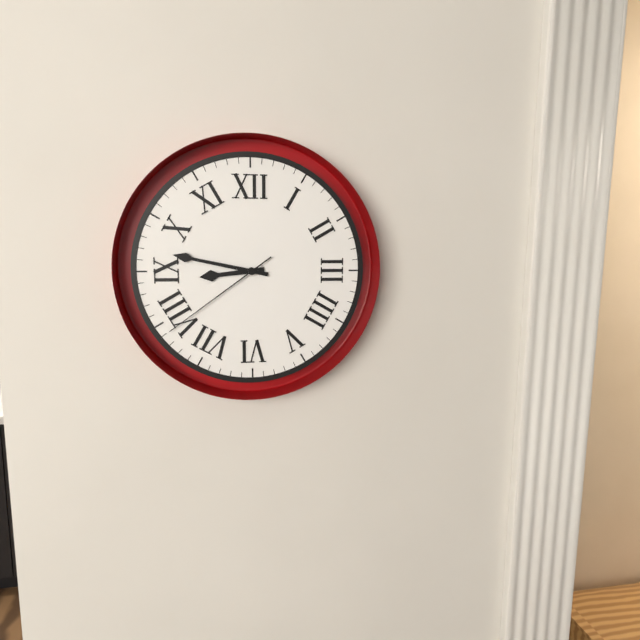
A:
8h47m39s
